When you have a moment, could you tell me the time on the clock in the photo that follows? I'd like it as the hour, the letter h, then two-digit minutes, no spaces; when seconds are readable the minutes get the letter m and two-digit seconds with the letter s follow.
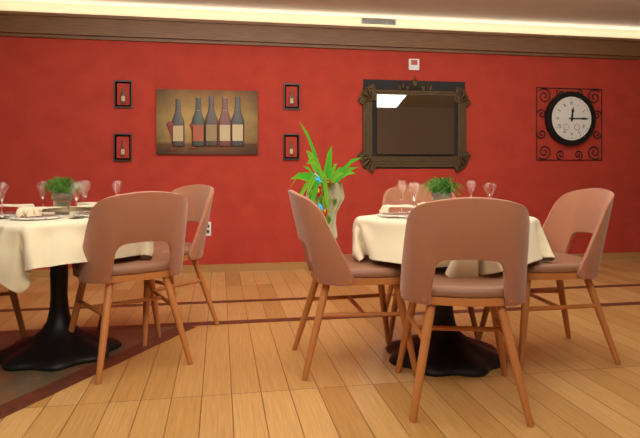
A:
12h15
